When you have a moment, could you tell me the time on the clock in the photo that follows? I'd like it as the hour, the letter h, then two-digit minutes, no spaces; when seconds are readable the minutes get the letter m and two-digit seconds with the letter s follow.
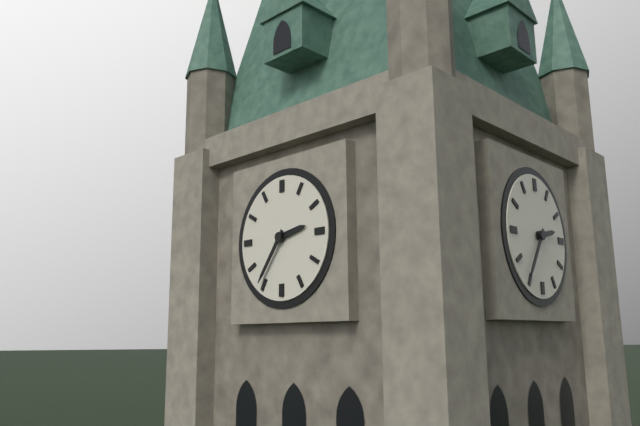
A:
2h36
